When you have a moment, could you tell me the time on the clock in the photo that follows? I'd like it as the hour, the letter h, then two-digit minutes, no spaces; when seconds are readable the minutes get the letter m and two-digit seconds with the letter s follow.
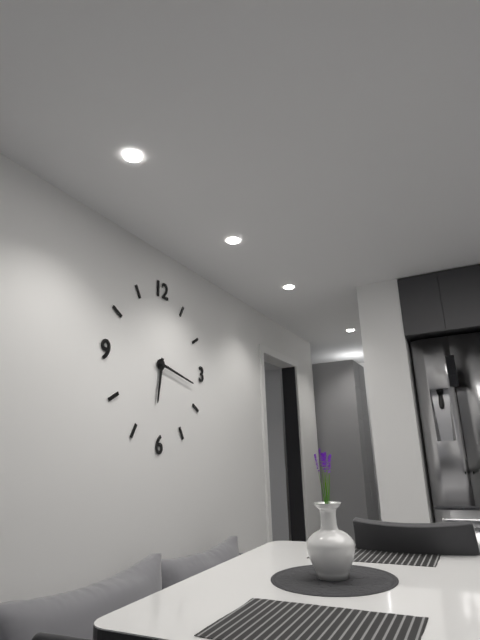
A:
6h17
